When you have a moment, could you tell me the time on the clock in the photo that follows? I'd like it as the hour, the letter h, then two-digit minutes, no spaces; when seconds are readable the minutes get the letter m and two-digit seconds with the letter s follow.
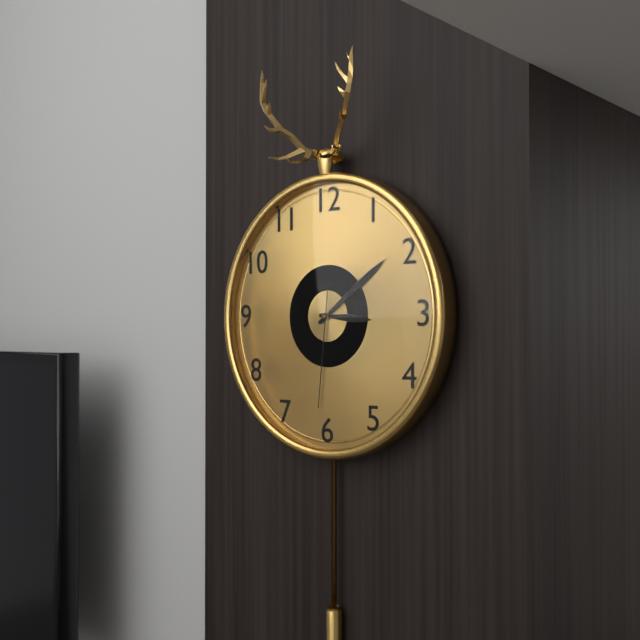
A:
3h09m31s
